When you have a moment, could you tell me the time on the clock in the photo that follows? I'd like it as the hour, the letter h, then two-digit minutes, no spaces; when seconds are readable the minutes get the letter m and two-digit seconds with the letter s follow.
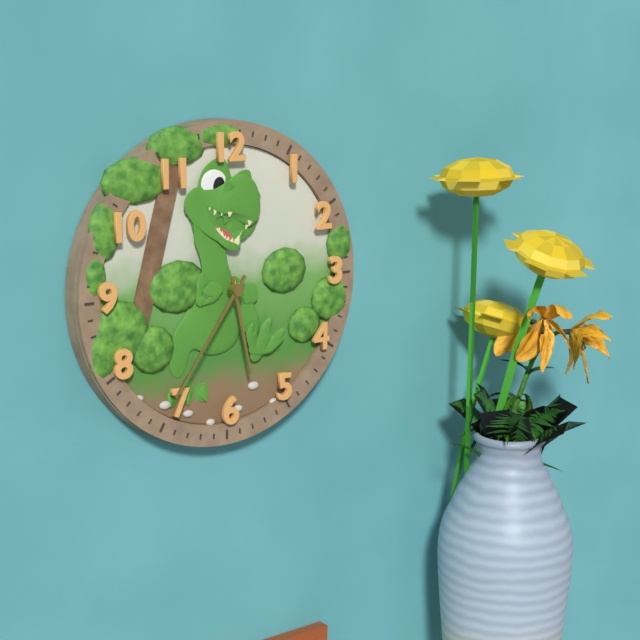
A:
5h36
